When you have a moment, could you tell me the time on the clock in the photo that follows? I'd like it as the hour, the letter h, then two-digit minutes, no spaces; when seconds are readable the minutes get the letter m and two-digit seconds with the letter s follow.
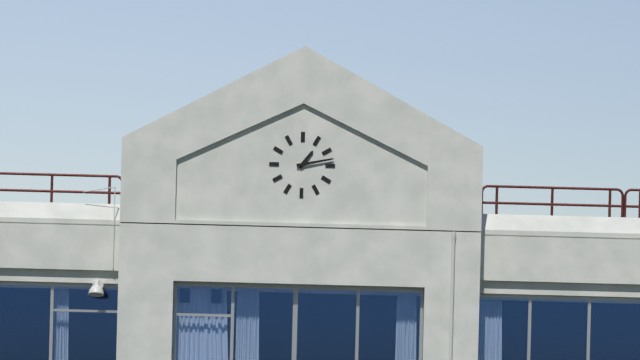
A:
1h13
